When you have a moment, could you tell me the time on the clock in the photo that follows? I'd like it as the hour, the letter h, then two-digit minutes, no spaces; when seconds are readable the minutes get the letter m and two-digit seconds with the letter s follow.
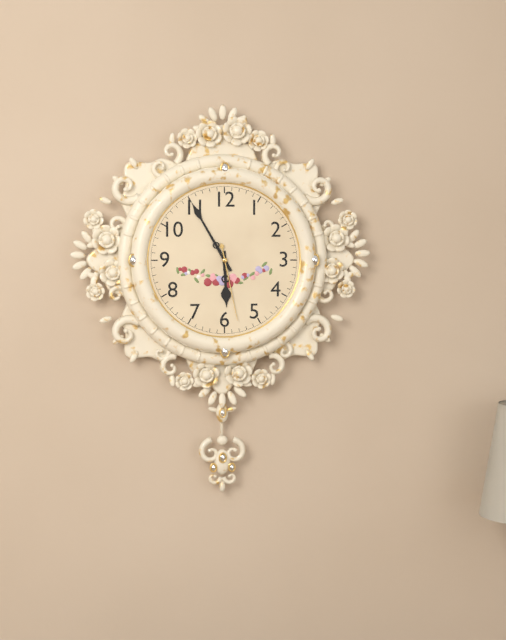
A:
5h55m28s
